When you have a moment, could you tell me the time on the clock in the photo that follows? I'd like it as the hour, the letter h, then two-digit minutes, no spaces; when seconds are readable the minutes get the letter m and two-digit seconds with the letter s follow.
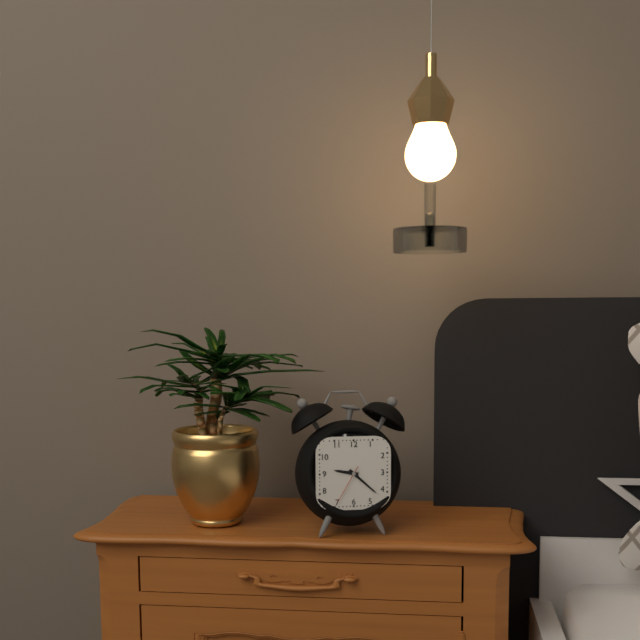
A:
9h22
